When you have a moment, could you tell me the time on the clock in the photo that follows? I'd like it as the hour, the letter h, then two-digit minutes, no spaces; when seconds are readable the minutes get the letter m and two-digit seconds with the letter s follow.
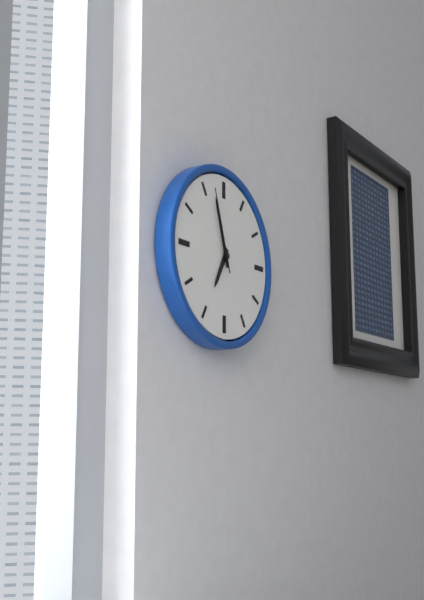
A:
6h57m57s
